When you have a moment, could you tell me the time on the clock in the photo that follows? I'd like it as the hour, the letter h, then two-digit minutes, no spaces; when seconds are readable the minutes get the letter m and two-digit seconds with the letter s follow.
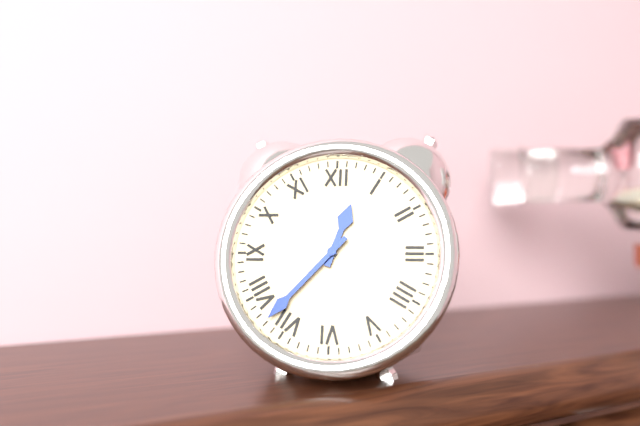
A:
12h37
